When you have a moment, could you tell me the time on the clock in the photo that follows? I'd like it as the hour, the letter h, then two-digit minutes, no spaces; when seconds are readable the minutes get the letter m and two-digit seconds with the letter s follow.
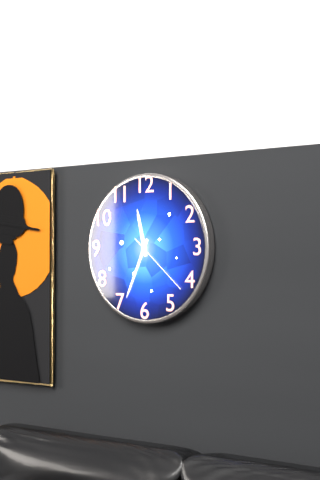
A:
11h34m22s
